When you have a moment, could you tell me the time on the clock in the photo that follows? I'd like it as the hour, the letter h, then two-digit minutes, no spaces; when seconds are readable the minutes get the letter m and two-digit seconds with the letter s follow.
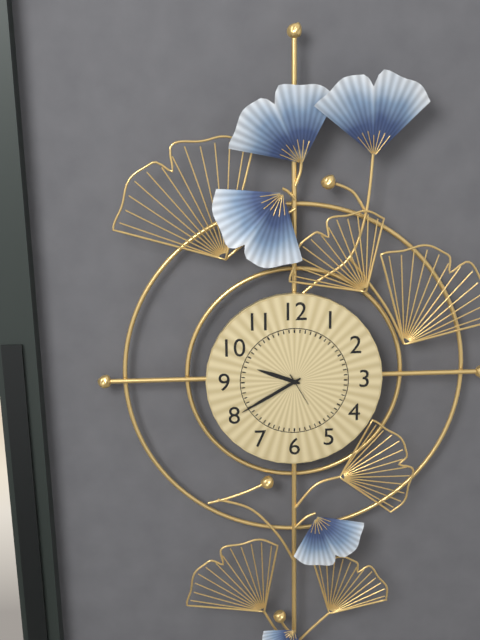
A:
9h40
